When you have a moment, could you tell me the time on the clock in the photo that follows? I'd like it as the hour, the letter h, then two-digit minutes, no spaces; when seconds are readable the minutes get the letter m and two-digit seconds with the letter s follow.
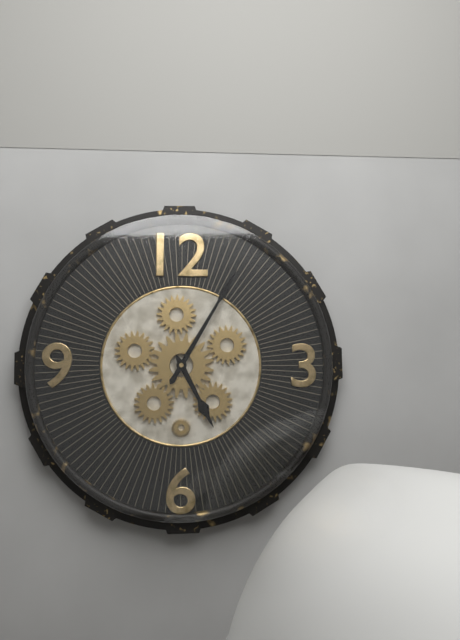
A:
5h05
